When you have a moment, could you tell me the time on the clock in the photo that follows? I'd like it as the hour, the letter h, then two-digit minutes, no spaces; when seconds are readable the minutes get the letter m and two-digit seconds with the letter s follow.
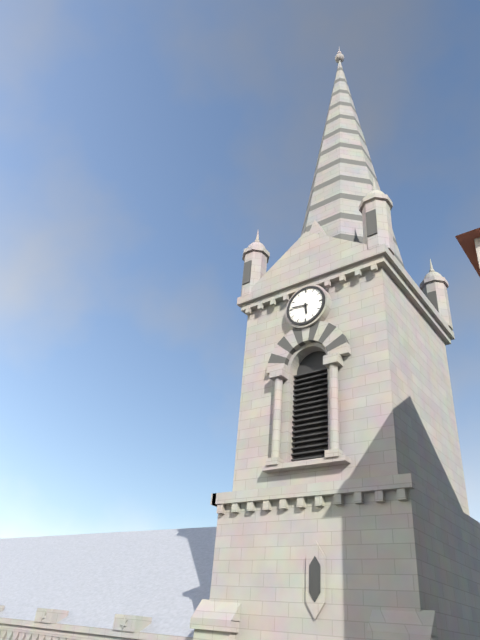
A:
5h46
